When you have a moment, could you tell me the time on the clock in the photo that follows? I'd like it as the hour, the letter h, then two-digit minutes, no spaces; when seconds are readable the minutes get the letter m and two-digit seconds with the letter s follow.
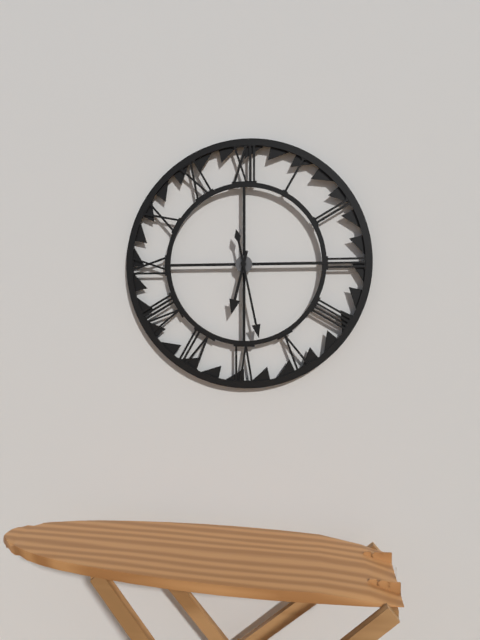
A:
6h28
